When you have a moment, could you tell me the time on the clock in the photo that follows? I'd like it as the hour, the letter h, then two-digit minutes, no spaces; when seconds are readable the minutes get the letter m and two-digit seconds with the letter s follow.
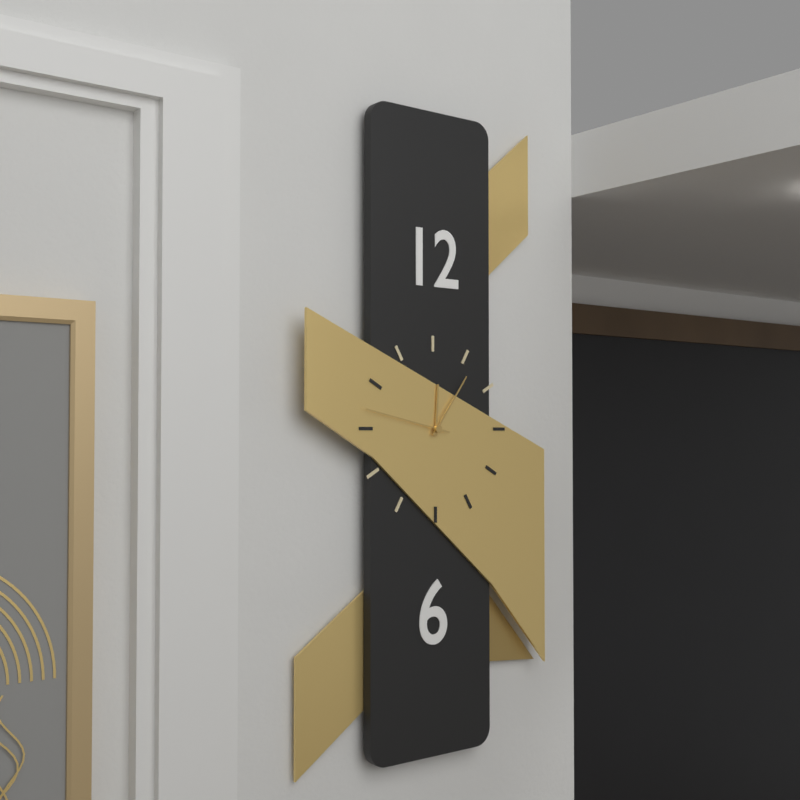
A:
12h06m47s
